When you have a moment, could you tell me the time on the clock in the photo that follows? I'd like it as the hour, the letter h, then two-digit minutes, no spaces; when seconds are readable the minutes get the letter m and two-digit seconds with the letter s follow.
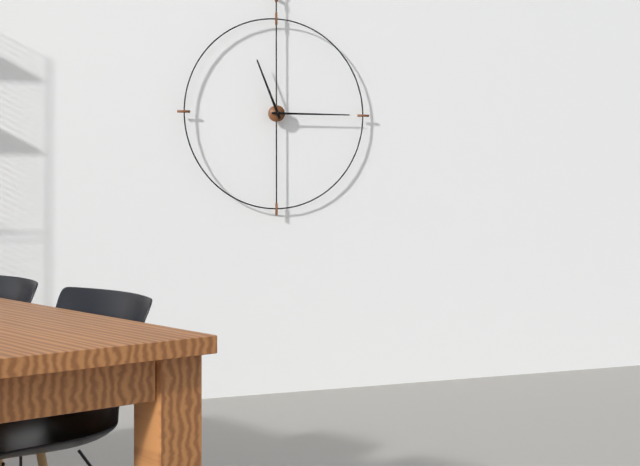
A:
11h15
